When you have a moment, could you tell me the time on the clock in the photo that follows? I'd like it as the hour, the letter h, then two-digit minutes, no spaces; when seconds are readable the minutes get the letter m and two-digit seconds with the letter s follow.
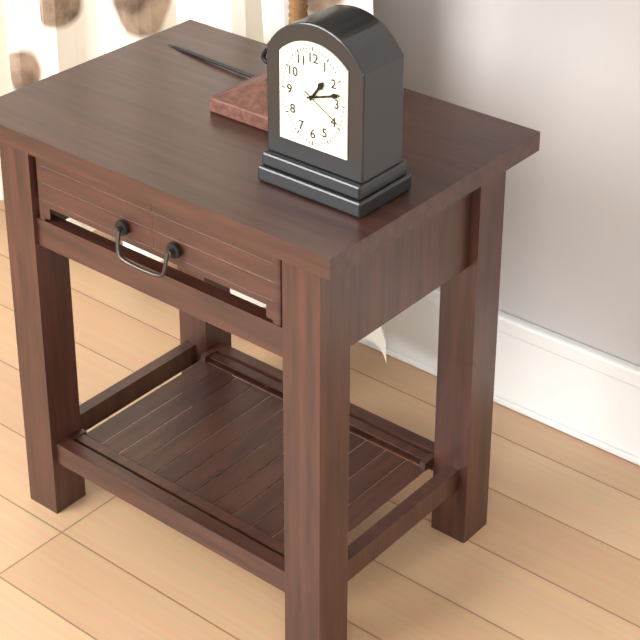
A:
1h12
